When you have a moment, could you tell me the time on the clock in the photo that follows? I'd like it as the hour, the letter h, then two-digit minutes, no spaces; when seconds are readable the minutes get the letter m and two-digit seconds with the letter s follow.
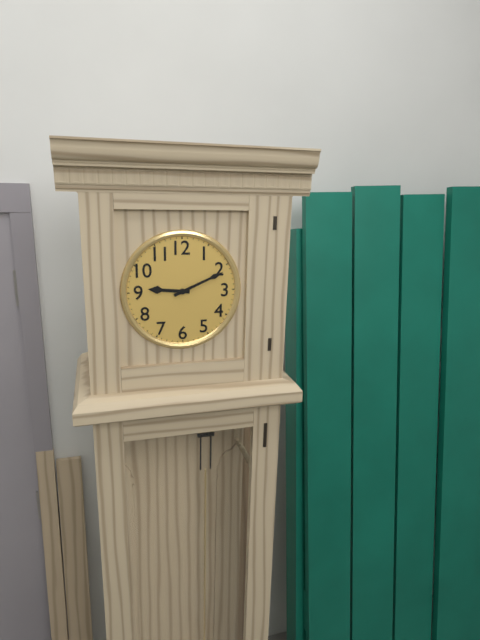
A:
9h11
